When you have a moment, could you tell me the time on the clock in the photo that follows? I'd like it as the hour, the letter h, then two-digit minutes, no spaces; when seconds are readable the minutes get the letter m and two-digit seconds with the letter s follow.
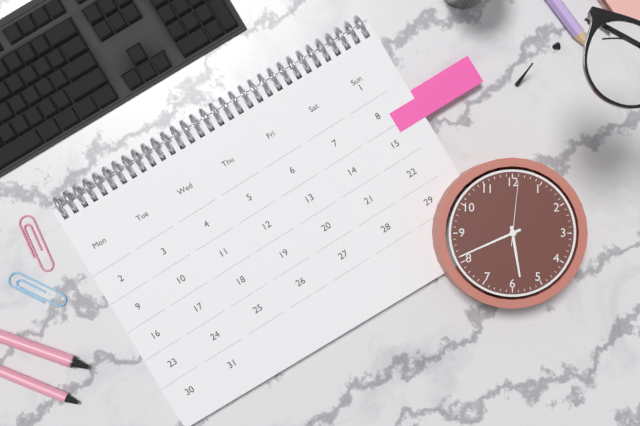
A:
5h41m01s
